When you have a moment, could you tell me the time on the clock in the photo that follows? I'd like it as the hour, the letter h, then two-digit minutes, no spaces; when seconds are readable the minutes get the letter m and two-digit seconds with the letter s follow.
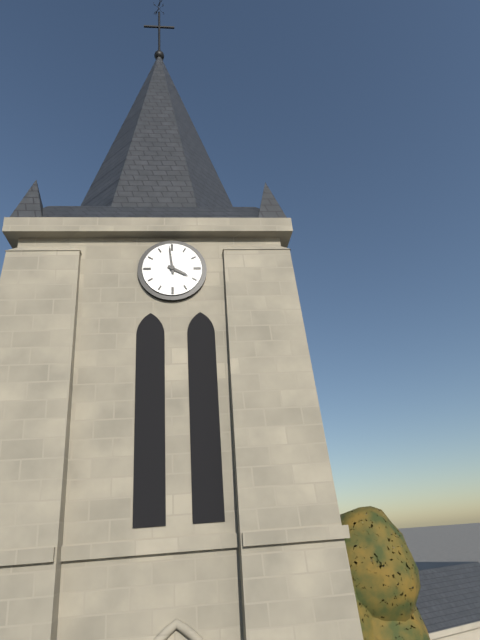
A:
3h59
